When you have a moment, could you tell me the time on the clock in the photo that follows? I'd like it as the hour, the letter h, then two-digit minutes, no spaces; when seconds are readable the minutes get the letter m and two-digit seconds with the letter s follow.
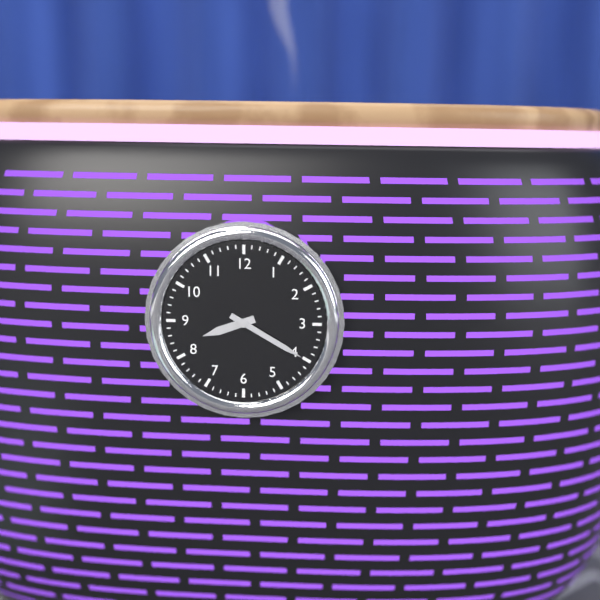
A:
8h20
